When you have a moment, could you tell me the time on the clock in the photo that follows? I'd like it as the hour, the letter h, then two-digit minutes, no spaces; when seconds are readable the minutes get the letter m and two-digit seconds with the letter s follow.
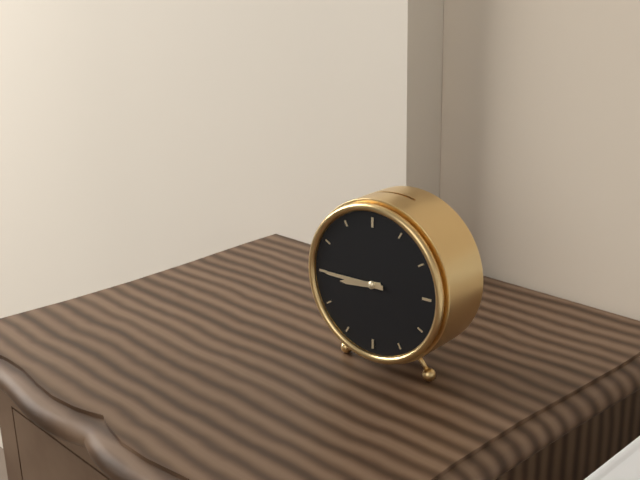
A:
8h45
